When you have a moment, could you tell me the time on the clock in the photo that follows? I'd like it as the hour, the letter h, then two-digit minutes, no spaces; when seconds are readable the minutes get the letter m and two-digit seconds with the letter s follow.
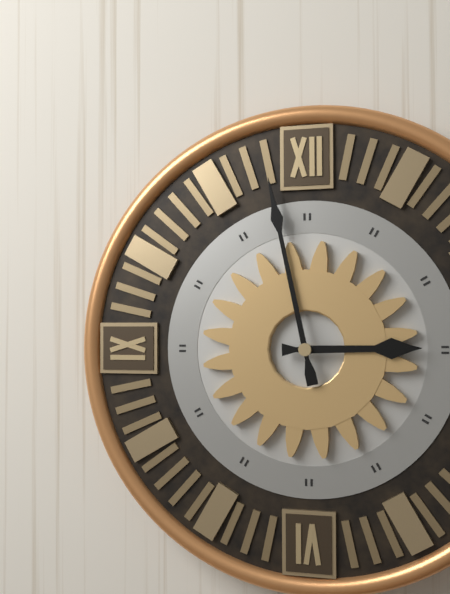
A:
2h58
